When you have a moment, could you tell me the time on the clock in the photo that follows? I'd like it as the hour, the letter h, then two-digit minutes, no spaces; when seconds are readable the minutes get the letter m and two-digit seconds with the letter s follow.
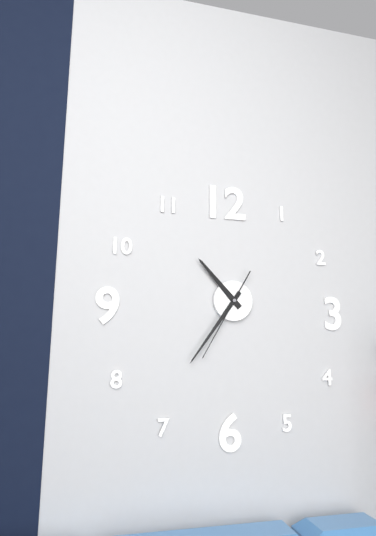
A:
10h36m35s
